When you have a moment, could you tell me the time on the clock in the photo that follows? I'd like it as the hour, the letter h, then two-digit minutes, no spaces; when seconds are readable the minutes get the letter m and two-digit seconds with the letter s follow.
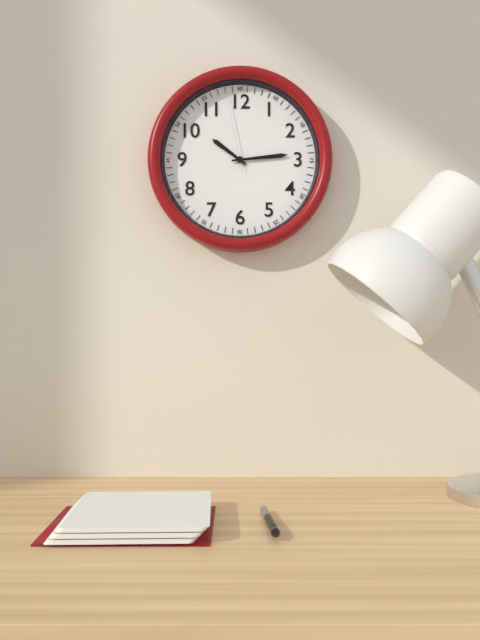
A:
10h14m58s
